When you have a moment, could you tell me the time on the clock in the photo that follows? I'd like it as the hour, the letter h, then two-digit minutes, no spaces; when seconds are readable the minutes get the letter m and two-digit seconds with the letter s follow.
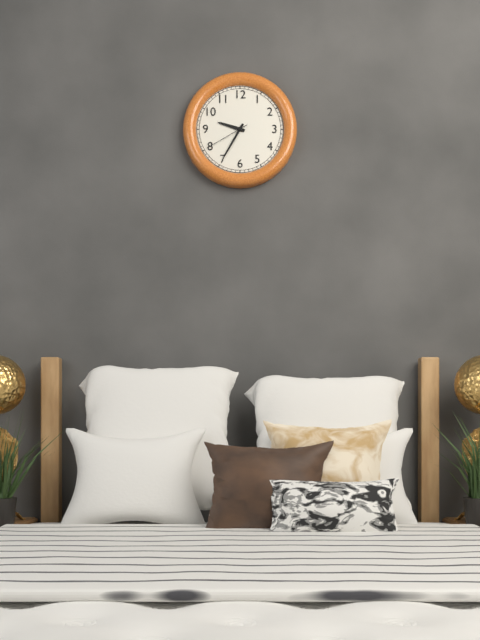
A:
9h35
